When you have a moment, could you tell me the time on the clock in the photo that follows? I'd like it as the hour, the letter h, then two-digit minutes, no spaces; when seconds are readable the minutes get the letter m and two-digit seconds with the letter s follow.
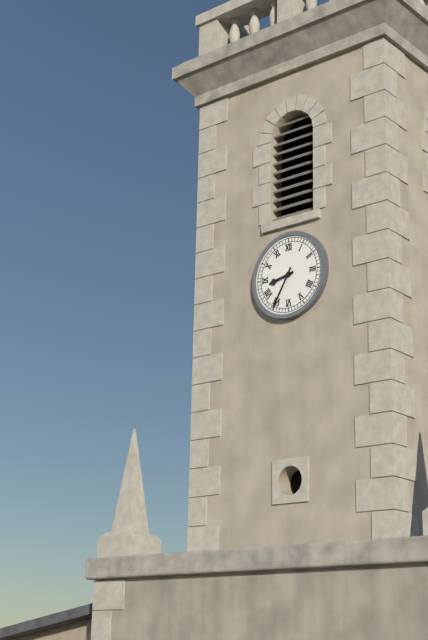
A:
8h35
